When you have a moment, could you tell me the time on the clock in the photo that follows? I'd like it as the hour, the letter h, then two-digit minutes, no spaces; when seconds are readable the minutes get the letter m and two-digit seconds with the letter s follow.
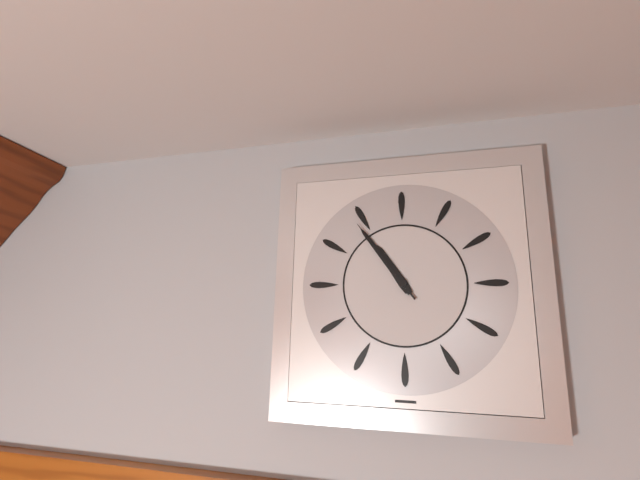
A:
10h54m54s
